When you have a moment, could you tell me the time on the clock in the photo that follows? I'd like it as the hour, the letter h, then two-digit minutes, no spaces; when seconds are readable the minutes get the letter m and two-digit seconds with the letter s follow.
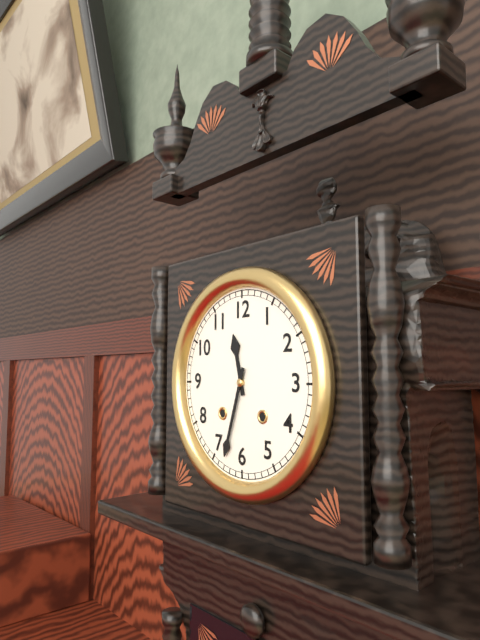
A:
11h33
